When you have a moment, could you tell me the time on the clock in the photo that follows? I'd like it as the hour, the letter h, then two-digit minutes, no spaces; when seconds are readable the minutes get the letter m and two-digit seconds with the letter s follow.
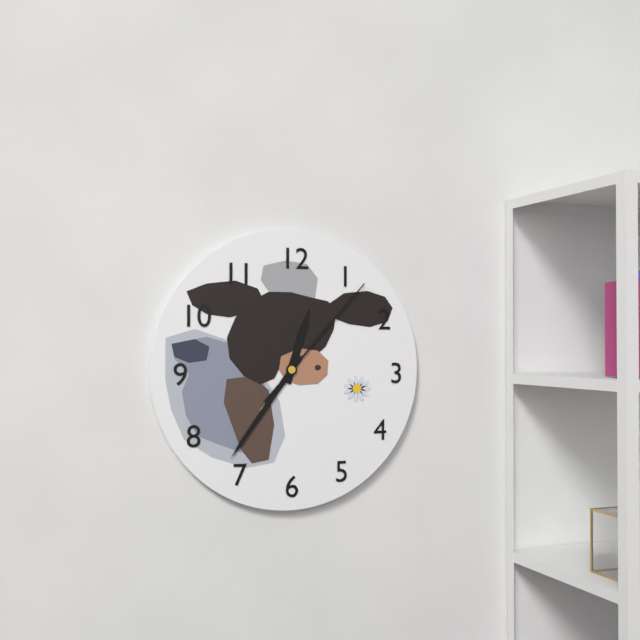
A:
12h36m07s
